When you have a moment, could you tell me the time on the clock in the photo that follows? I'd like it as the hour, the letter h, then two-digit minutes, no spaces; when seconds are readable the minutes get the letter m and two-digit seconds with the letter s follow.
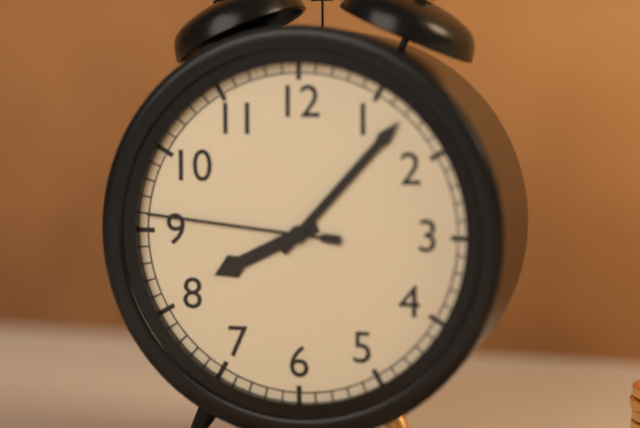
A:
8h07m46s
